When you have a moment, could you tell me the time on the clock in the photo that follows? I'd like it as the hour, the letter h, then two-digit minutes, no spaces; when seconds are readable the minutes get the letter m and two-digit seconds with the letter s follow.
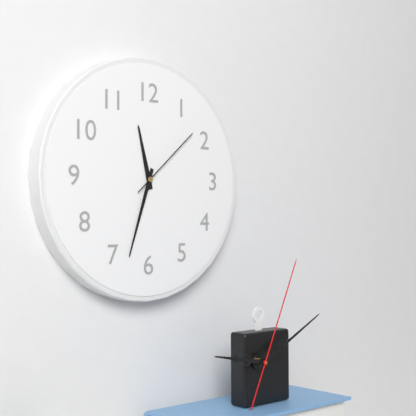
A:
11h33m08s
